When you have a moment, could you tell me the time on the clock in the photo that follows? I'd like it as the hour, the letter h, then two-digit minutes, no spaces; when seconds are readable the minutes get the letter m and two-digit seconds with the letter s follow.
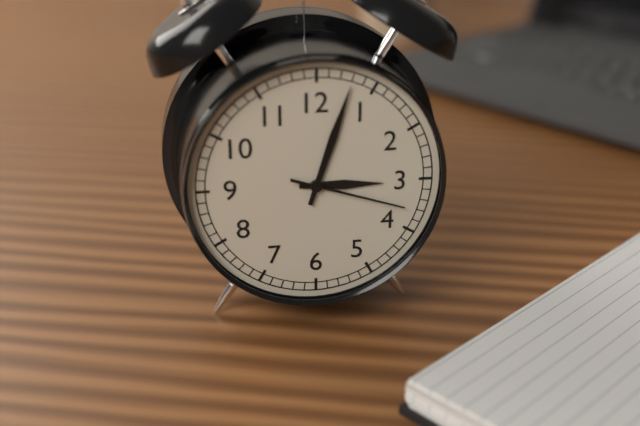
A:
3h03m18s
